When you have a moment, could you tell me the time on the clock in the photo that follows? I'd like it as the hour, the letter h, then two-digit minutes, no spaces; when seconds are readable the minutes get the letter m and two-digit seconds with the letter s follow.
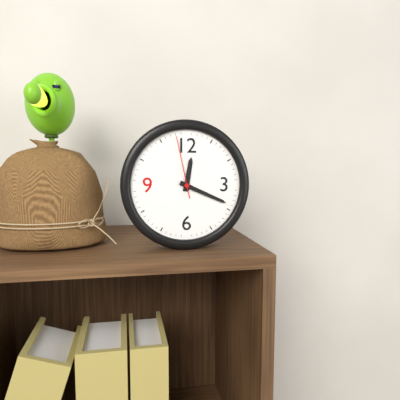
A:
12h19m58s
